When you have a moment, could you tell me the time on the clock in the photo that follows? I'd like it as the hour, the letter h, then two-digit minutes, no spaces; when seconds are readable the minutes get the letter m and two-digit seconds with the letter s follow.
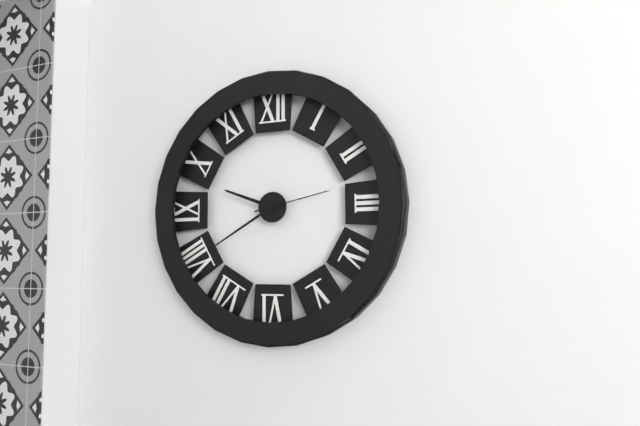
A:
9h40m13s
